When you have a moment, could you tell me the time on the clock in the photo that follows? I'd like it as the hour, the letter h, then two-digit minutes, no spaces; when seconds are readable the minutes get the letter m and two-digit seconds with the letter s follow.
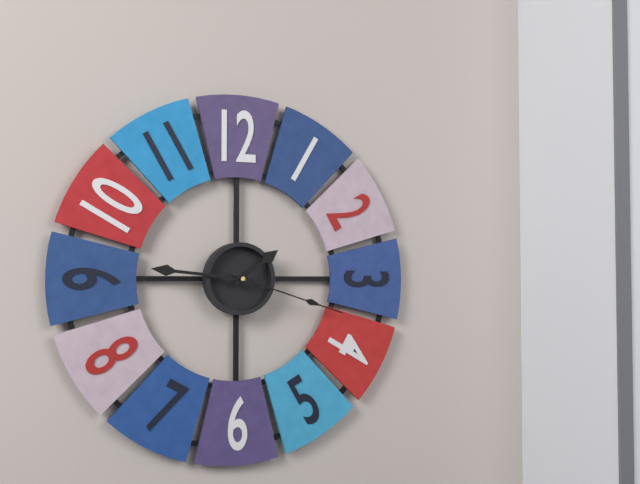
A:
1h46m18s
